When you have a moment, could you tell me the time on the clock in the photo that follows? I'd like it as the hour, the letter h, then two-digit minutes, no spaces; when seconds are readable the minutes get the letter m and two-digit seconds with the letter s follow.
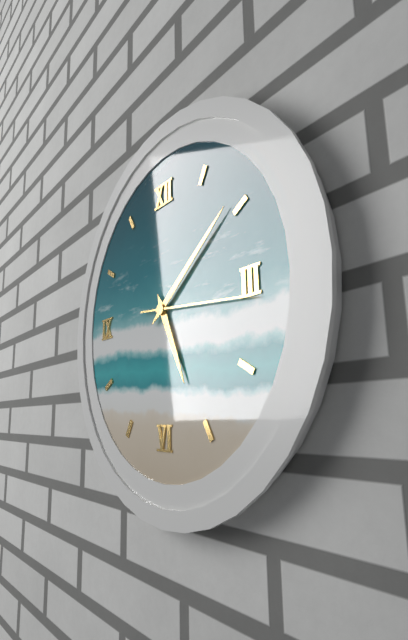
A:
5h09m16s
